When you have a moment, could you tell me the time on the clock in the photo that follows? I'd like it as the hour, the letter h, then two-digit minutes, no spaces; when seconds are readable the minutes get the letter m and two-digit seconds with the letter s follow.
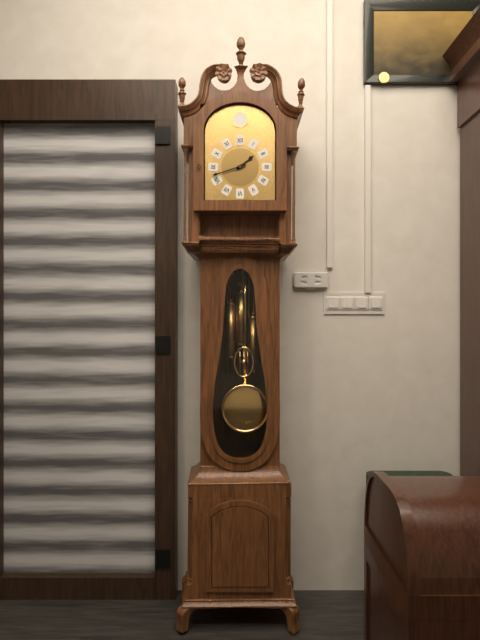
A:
1h42
